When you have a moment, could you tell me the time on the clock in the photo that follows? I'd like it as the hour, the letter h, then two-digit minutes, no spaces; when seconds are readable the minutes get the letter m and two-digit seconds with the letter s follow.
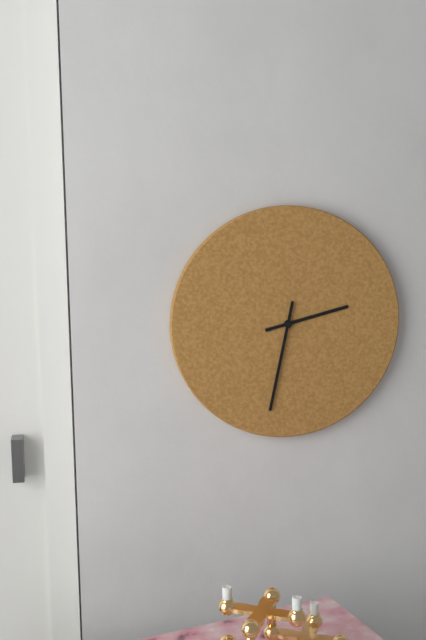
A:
2h32
